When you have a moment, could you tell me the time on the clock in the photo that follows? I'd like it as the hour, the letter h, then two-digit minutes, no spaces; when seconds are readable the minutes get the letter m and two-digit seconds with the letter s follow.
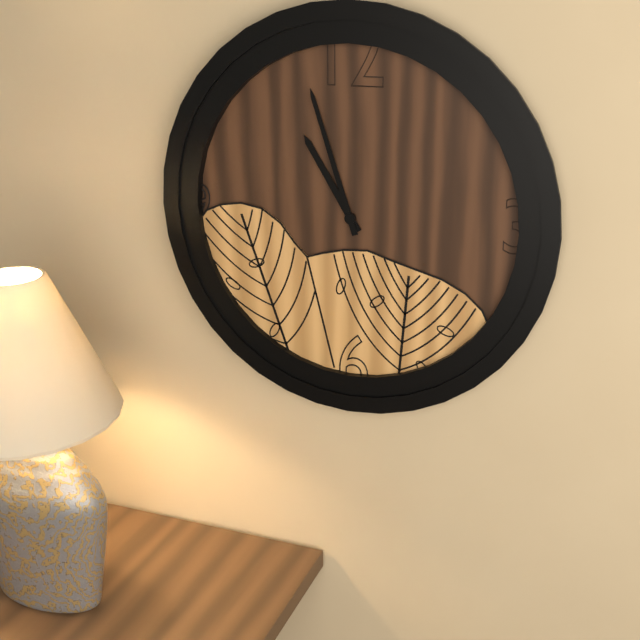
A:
10h57
